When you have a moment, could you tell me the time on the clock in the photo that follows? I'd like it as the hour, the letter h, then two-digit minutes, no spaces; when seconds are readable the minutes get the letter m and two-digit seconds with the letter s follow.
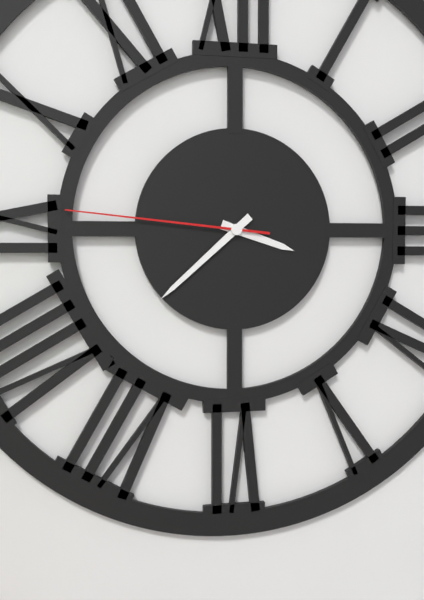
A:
3h38m46s
